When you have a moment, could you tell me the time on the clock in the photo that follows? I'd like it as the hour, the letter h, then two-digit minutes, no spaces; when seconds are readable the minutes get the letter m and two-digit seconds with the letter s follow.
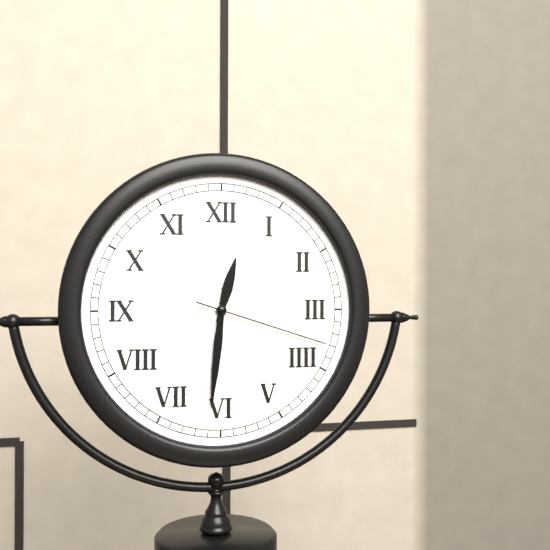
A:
12h31m18s
